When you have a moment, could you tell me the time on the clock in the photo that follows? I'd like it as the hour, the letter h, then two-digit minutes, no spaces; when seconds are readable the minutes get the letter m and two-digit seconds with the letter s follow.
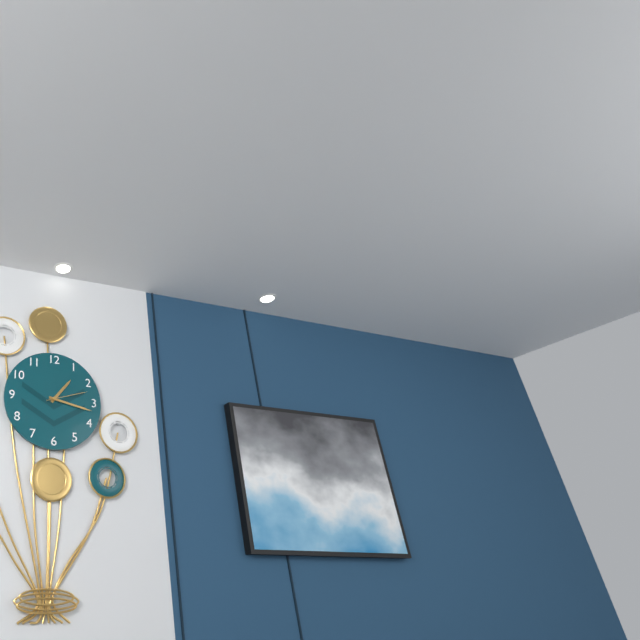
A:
1h17
